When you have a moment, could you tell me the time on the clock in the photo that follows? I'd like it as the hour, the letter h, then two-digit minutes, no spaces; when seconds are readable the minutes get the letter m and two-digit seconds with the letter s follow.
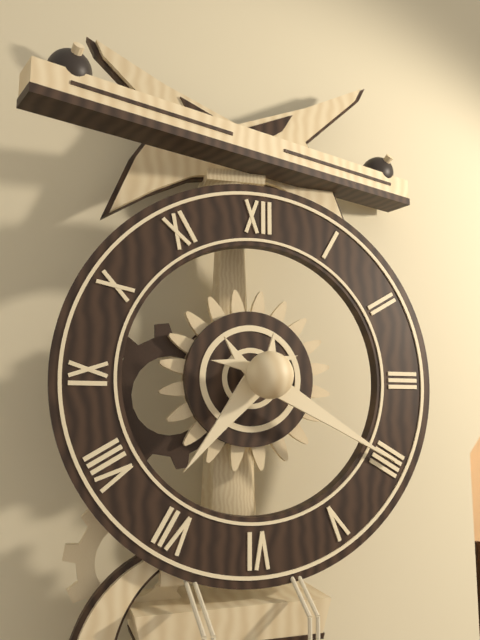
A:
7h20
